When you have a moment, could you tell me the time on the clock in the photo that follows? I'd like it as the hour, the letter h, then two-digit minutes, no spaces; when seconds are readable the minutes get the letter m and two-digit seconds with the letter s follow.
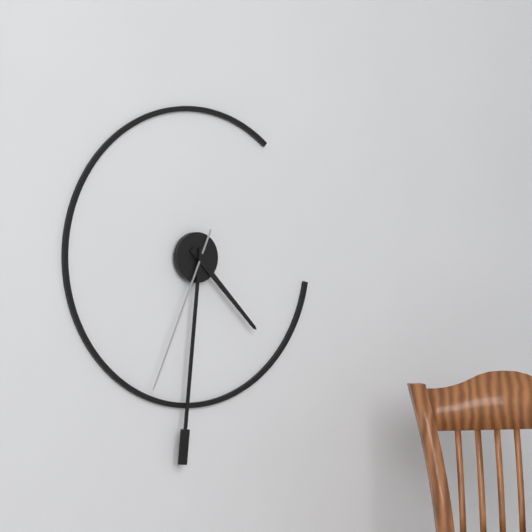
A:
4h31m34s
